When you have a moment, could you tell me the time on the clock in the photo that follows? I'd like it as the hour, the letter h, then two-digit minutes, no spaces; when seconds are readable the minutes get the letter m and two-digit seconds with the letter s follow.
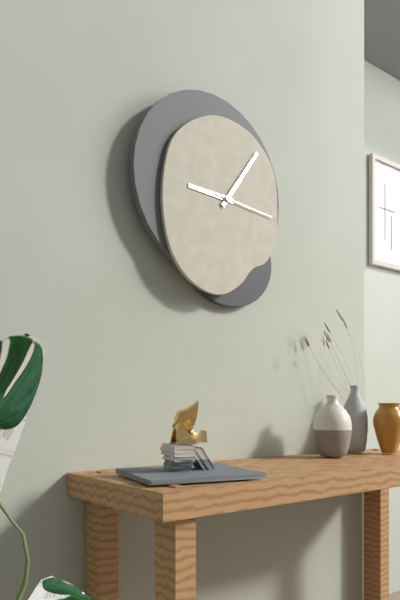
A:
9h06m16s
